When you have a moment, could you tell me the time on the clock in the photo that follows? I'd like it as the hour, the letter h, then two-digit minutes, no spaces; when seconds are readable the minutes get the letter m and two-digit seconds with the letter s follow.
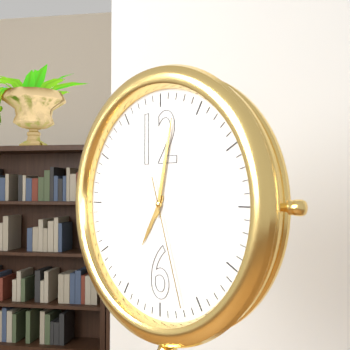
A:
7h02m27s
